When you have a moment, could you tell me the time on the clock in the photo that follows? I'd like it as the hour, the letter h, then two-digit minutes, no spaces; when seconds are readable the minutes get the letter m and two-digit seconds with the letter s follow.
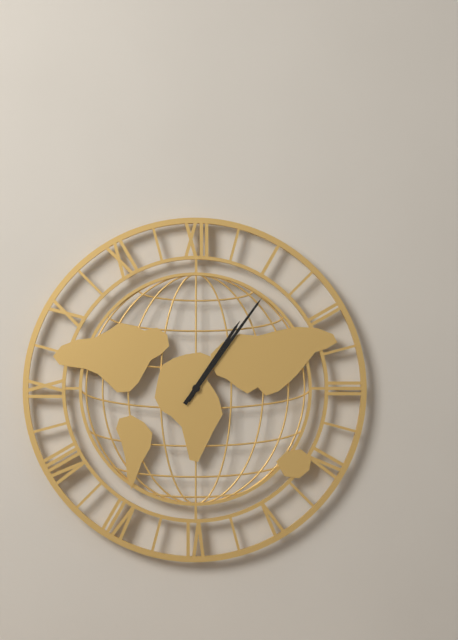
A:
1h06
